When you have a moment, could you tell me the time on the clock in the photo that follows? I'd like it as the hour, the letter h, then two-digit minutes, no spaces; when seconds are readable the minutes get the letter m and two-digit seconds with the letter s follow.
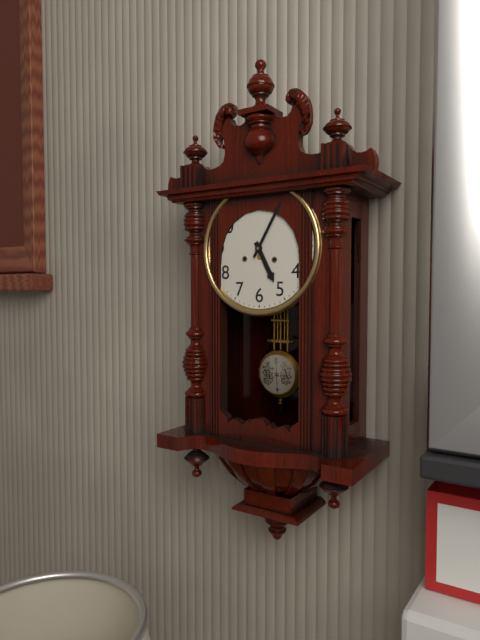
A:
5h05
